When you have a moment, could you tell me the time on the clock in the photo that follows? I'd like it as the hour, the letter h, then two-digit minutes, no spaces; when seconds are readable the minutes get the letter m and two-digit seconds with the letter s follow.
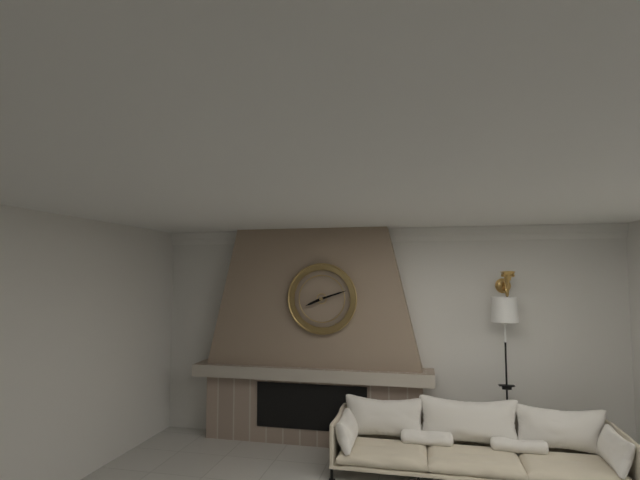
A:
8h12
